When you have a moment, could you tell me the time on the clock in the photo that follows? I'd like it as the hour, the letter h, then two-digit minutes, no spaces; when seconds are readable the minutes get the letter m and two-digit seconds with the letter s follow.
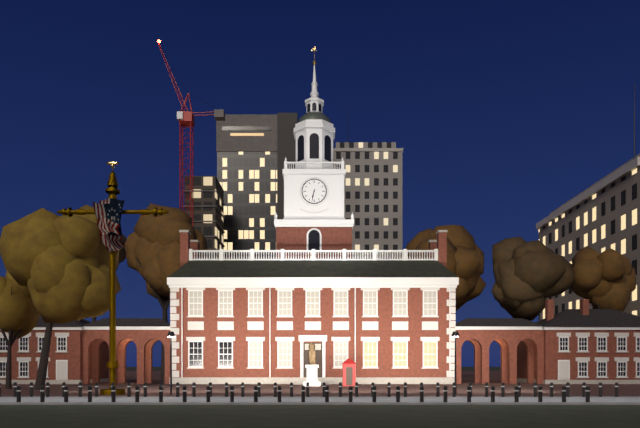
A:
6h32
